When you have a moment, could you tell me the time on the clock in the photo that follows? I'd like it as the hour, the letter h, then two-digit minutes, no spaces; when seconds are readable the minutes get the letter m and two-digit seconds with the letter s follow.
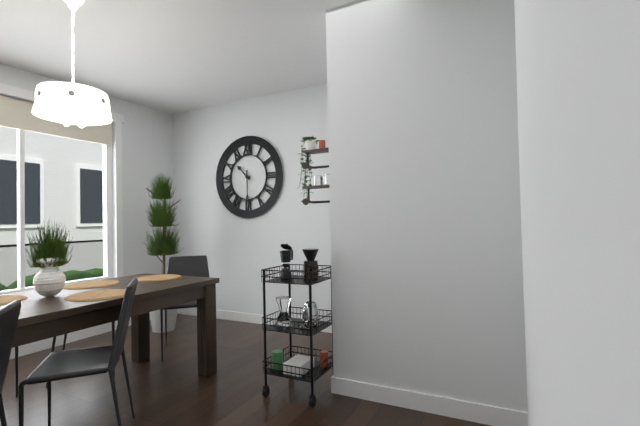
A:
10h30
